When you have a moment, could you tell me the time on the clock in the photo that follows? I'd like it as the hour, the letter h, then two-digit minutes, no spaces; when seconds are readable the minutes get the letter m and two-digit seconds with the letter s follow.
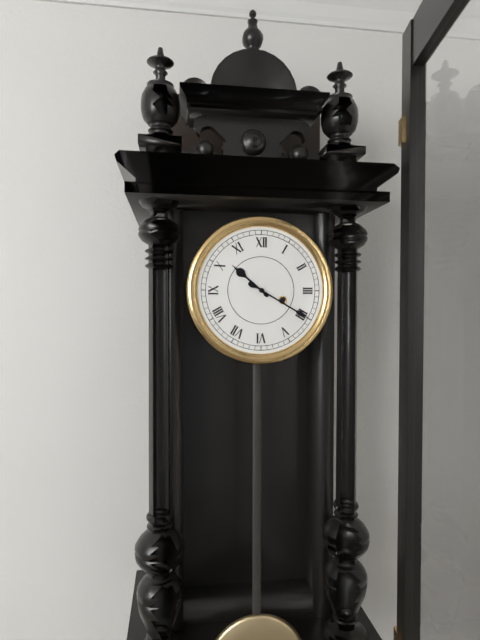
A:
10h20
